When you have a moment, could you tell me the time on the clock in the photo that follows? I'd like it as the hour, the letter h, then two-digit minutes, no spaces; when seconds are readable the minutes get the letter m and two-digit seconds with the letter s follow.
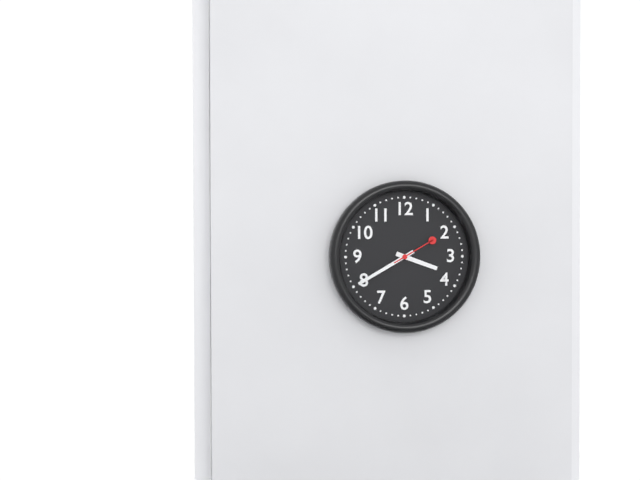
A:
3h40
